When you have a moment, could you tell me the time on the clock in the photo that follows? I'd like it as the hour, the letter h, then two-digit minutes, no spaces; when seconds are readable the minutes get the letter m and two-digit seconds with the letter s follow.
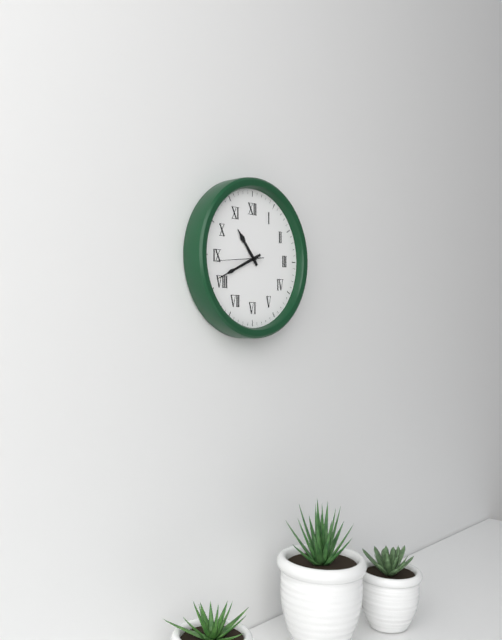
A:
10h41m44s
